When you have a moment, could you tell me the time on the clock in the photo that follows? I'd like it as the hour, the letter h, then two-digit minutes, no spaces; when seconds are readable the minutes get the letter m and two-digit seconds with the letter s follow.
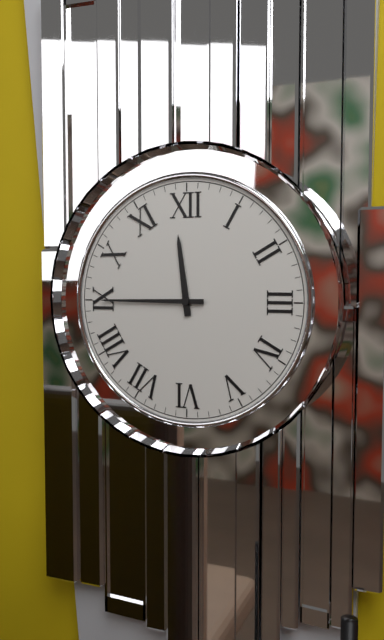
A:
11h45
